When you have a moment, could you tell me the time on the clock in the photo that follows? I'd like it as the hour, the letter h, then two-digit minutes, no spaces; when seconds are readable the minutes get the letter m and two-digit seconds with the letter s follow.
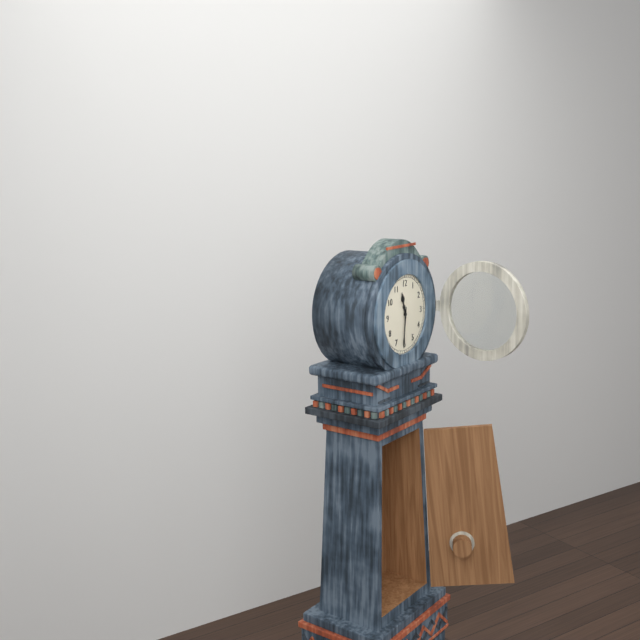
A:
11h31
